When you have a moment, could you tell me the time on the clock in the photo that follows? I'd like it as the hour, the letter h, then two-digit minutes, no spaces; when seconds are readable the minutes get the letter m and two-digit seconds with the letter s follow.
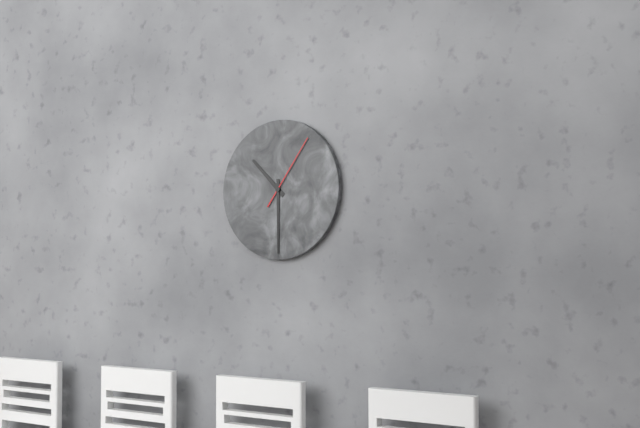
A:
10h30m06s
